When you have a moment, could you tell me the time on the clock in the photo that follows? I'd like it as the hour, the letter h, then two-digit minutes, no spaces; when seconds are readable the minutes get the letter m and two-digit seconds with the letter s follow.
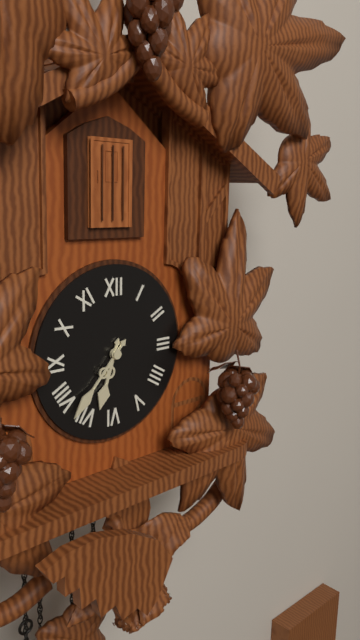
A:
6h37
